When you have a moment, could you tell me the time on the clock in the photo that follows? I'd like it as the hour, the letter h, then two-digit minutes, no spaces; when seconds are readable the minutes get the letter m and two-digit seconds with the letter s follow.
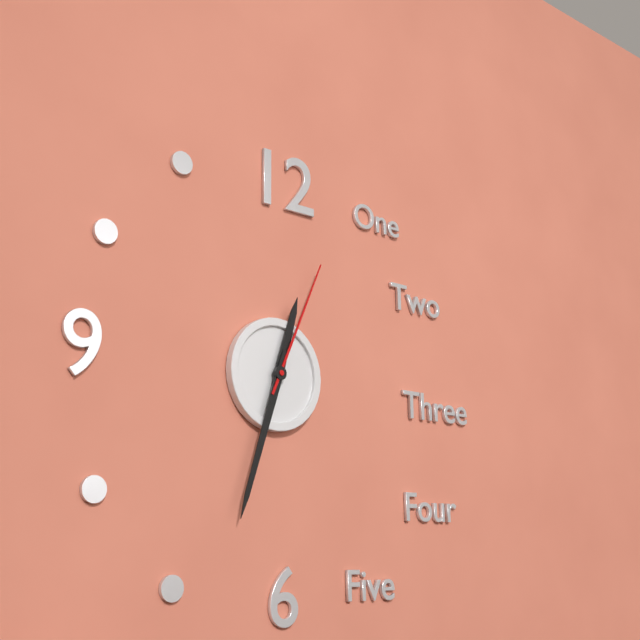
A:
12h33m04s
